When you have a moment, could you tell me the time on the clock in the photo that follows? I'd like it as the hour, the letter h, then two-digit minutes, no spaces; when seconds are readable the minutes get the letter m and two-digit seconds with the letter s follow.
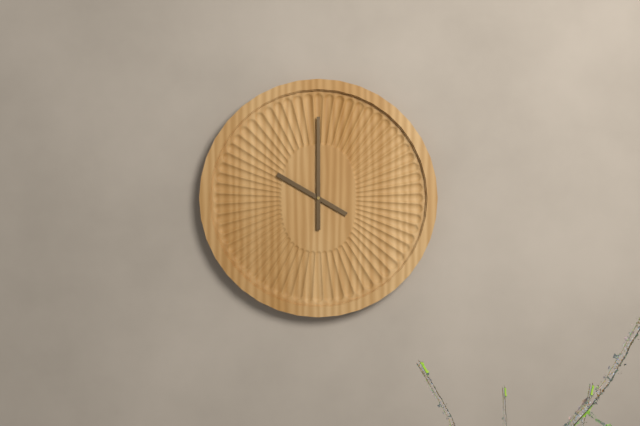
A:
10h00
